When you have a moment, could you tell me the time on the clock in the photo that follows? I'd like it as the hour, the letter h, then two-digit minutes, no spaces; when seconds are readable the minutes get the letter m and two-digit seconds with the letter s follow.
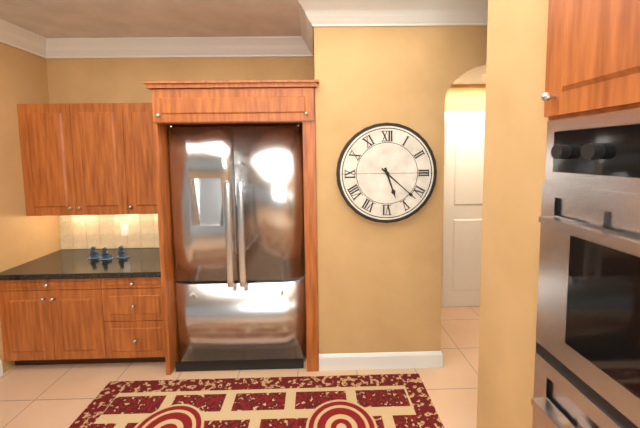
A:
5h22
